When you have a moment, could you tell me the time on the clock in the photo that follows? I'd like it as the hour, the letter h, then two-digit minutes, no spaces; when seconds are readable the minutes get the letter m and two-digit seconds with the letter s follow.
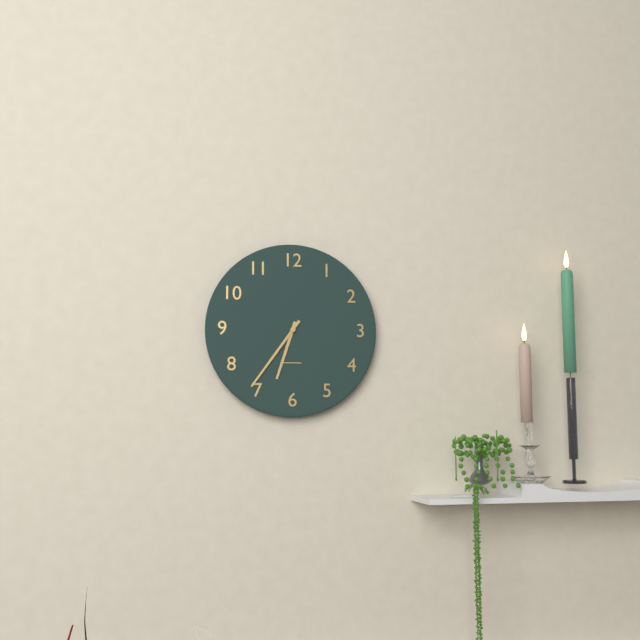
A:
6h36
